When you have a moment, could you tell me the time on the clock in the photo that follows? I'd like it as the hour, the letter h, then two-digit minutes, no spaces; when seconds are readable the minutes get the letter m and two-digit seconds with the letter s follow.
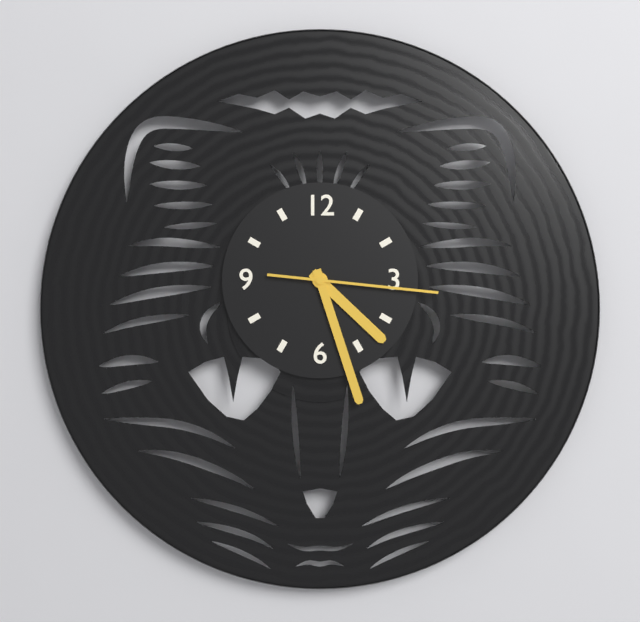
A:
4h27m16s
